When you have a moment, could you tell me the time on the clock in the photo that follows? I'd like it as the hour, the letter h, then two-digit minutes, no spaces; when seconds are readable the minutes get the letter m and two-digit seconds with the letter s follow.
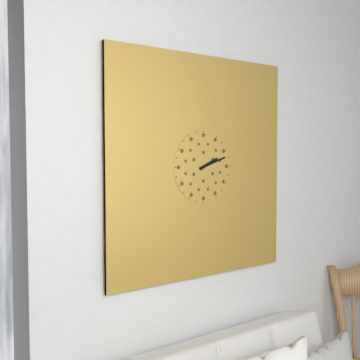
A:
2h12
